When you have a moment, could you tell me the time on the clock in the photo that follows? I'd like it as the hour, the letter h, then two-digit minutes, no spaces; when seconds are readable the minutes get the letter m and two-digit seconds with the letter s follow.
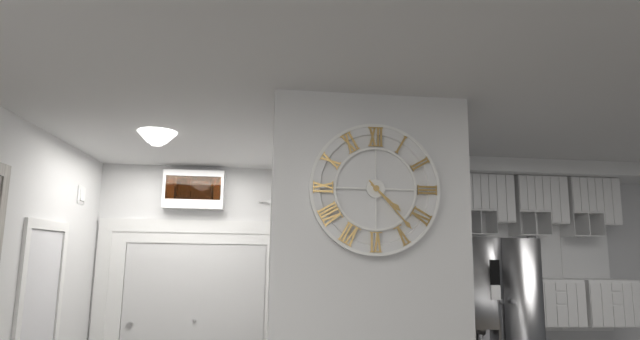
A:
4h23
